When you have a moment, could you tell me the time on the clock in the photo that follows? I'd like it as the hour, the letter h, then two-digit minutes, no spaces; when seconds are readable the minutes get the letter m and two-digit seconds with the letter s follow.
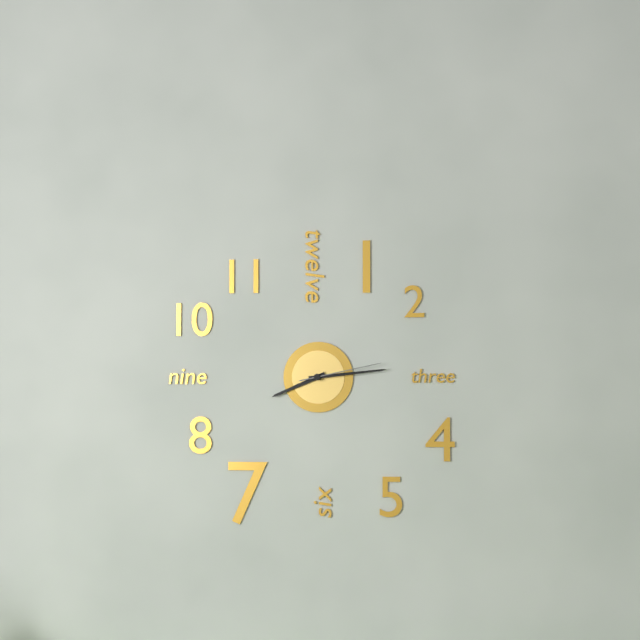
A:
8h14m13s
